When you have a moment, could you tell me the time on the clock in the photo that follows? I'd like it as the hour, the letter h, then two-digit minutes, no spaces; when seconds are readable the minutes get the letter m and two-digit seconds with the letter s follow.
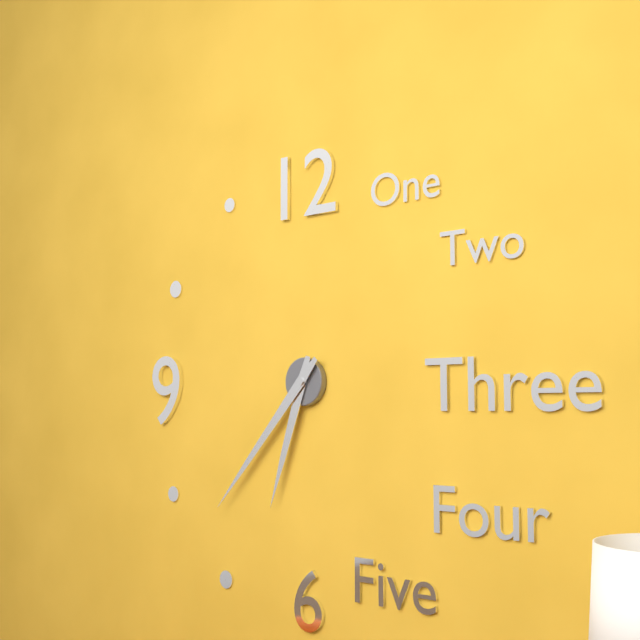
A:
6h37
